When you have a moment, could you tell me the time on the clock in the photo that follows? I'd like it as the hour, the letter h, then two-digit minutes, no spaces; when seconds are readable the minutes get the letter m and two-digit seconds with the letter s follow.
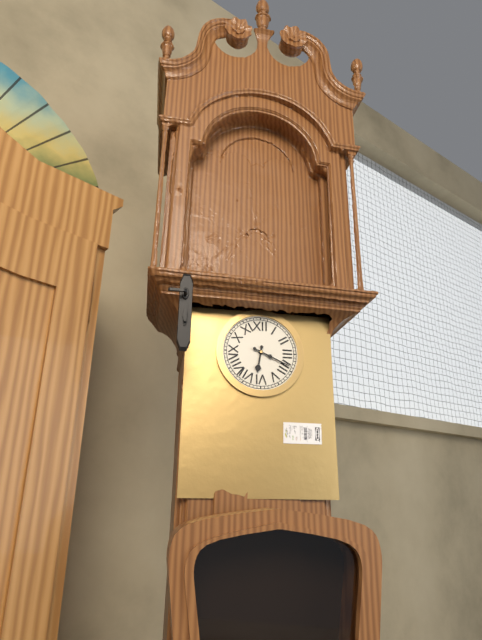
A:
6h19
